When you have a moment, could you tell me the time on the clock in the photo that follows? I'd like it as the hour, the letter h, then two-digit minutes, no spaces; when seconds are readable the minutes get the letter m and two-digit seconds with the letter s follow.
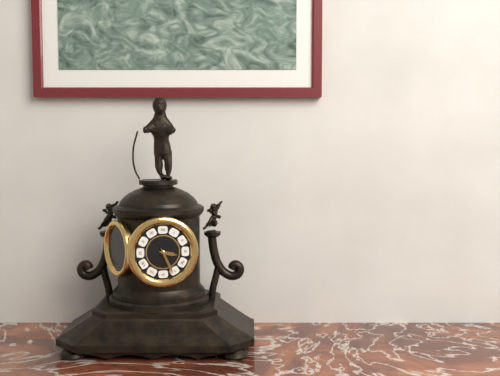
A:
3h26
